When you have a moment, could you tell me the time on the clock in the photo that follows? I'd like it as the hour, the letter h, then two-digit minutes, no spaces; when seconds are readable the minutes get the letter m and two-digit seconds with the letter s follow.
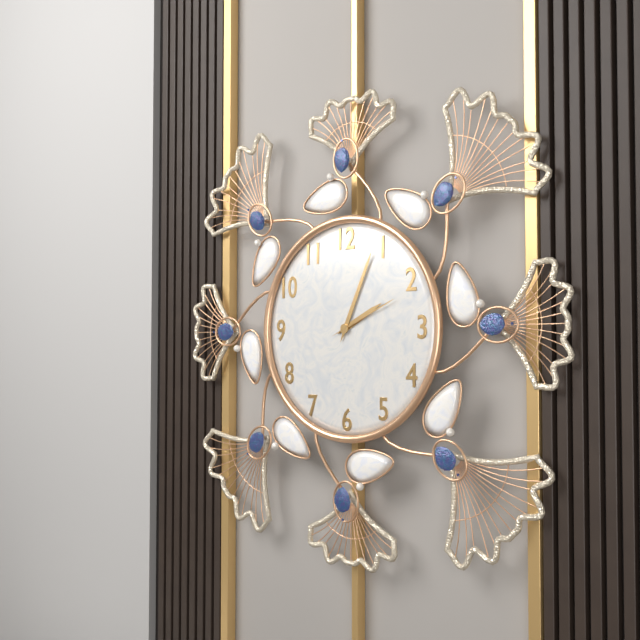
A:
2h04m11s
